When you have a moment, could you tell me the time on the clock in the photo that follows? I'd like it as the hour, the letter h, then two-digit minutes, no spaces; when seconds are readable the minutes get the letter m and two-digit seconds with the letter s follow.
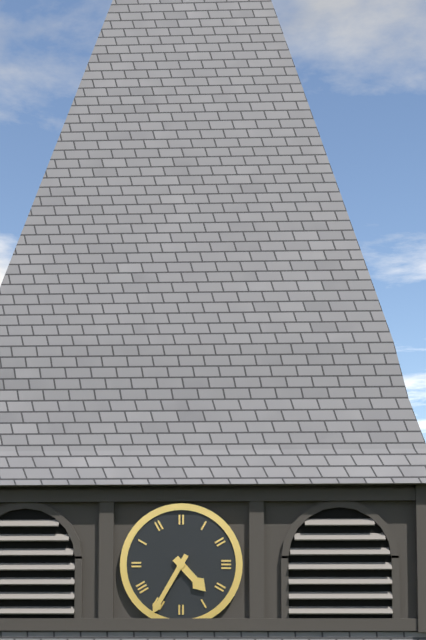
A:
4h35
